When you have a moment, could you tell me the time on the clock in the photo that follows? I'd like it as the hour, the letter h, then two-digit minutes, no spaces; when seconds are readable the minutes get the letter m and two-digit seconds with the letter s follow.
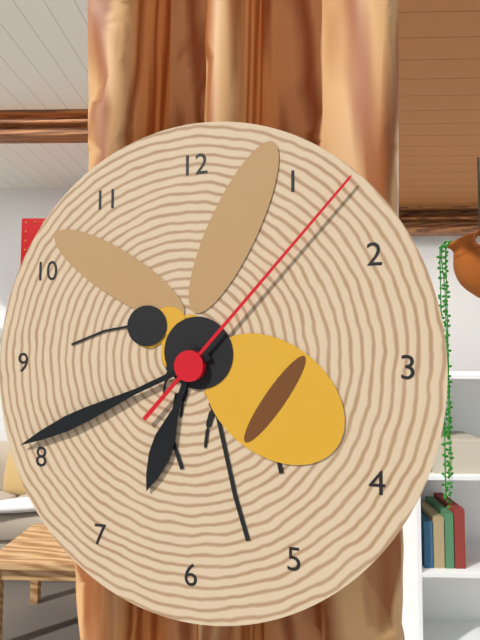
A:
6h41m07s
